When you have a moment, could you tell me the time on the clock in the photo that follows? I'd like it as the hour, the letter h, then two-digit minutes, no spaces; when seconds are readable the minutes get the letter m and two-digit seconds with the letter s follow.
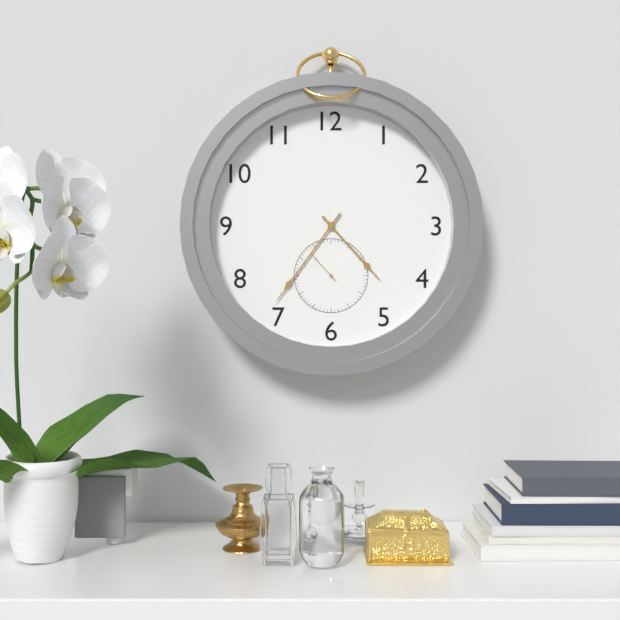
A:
4h36
